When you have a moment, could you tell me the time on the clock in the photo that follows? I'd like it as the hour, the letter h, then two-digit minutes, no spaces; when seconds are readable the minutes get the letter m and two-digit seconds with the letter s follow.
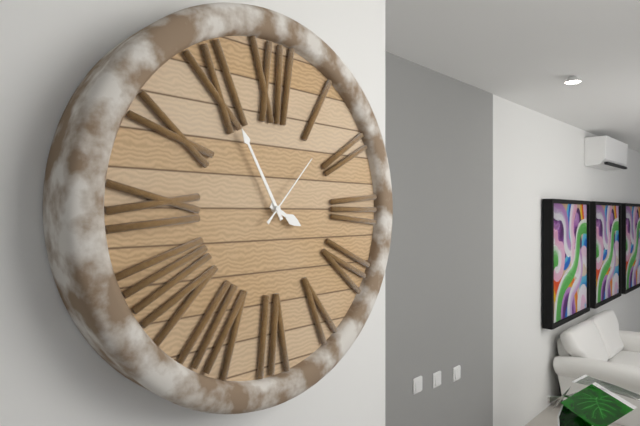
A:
3h55m07s
